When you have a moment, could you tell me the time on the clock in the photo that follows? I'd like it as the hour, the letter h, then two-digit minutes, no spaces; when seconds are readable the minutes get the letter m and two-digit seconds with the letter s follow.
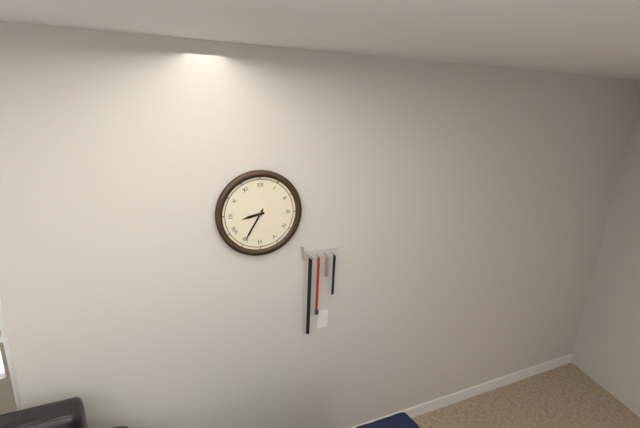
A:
8h35
